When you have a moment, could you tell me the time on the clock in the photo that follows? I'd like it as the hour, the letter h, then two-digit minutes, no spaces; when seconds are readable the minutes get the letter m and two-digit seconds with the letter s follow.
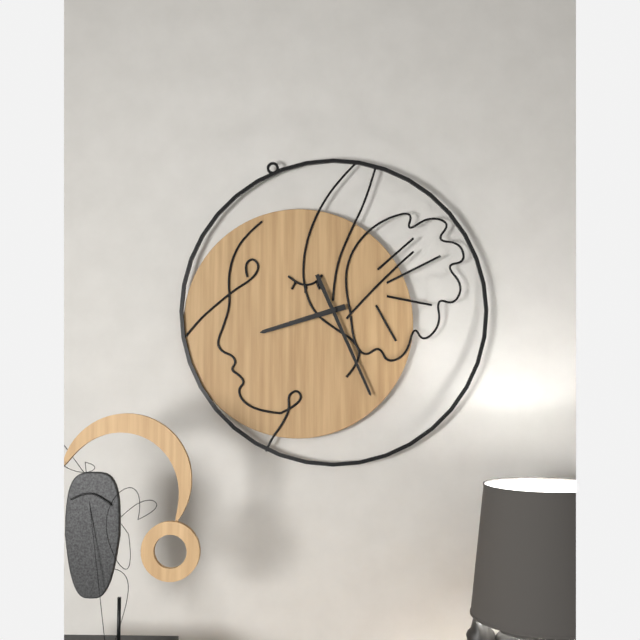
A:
8h26
